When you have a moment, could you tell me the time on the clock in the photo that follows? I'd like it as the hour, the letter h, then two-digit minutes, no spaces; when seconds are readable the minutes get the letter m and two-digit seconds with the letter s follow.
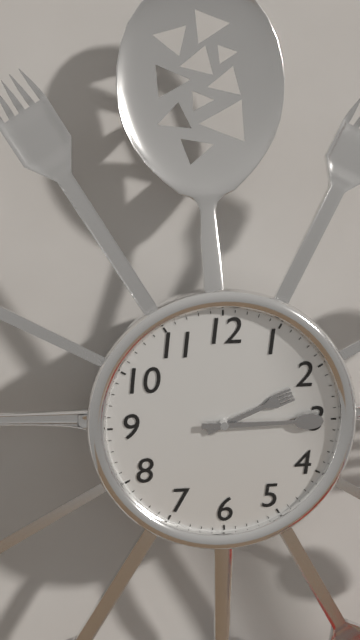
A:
2h15
